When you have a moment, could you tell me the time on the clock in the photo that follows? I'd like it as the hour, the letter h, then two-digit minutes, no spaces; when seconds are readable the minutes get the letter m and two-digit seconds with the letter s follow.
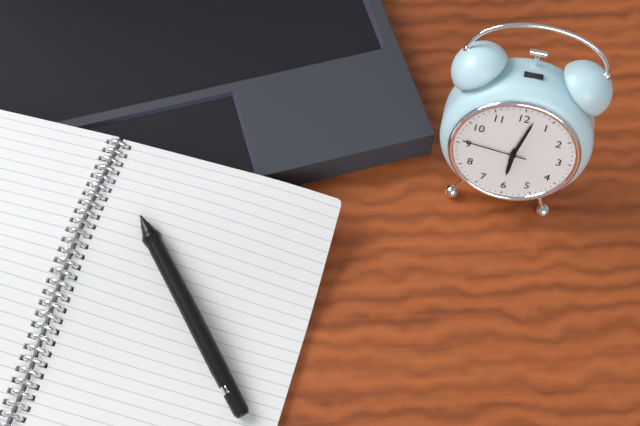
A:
6h02m46s
